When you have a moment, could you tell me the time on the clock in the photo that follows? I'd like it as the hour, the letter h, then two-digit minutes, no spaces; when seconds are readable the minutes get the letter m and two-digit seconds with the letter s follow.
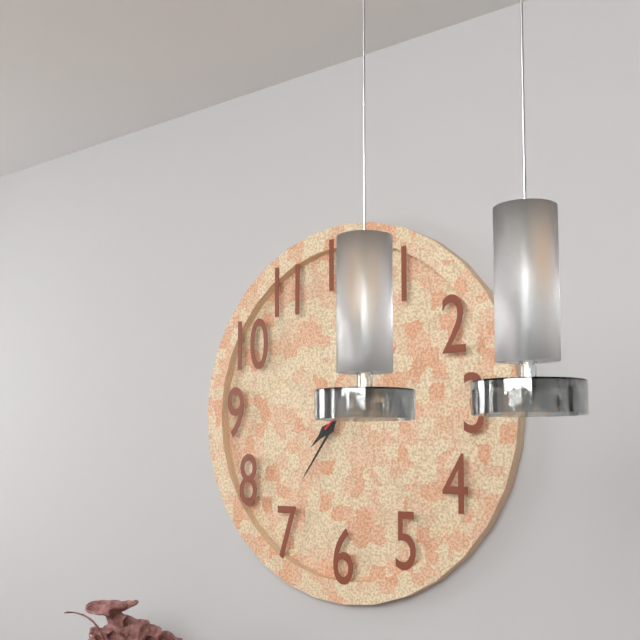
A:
7h36m08s
